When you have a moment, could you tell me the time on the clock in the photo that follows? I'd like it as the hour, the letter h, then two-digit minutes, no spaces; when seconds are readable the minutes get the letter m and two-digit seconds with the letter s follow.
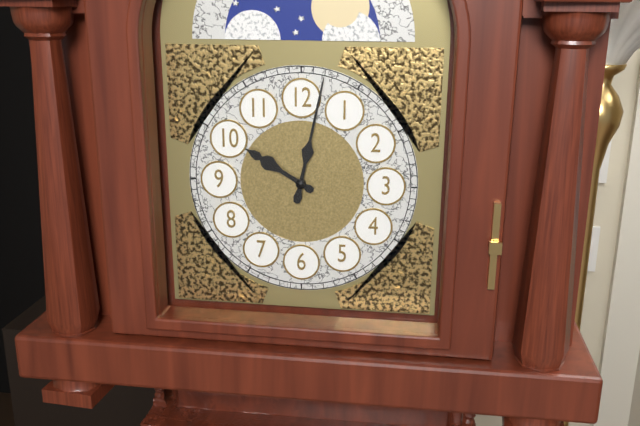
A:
10h02
